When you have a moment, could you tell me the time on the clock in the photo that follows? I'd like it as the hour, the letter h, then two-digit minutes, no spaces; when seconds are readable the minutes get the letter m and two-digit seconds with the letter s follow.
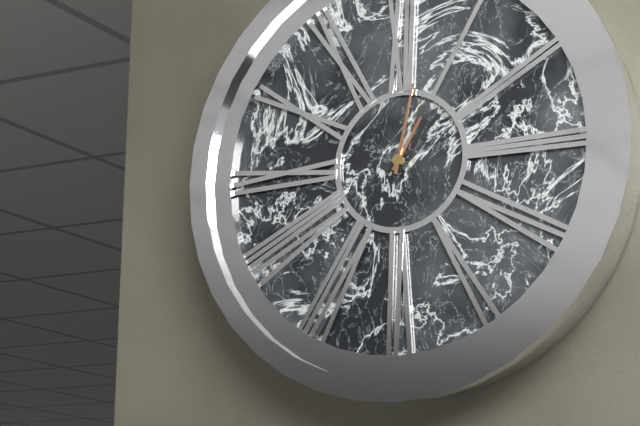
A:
1h02
